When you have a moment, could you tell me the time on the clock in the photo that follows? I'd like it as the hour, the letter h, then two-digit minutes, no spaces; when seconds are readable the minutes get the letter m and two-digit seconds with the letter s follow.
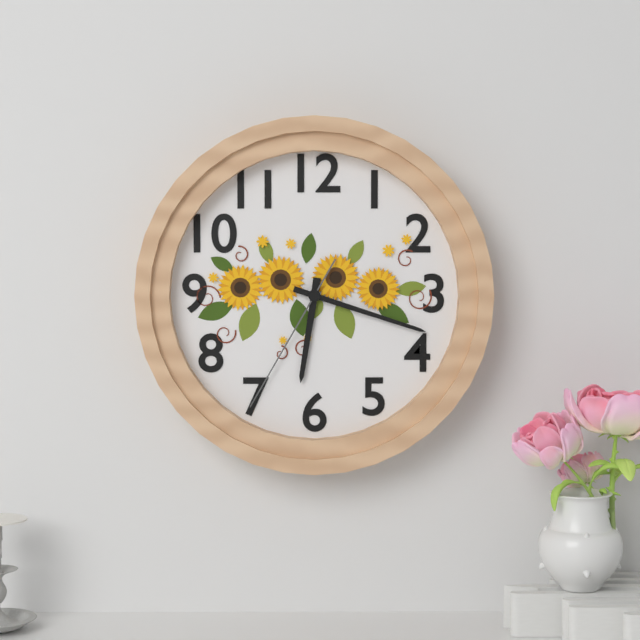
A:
6h18m35s
